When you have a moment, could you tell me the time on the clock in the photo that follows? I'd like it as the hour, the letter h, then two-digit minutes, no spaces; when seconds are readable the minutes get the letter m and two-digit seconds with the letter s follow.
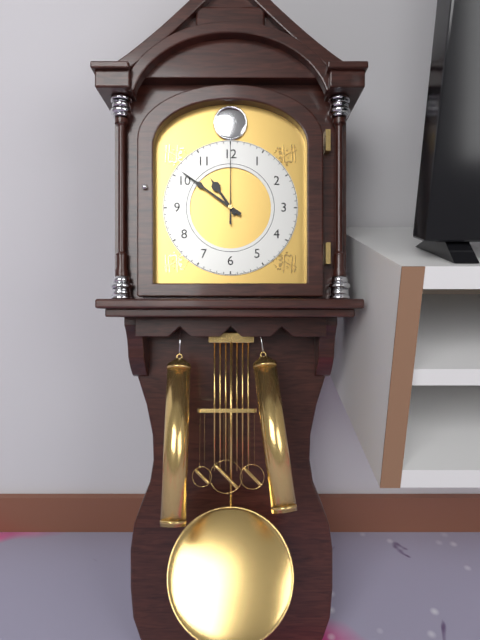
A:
10h51m00s
